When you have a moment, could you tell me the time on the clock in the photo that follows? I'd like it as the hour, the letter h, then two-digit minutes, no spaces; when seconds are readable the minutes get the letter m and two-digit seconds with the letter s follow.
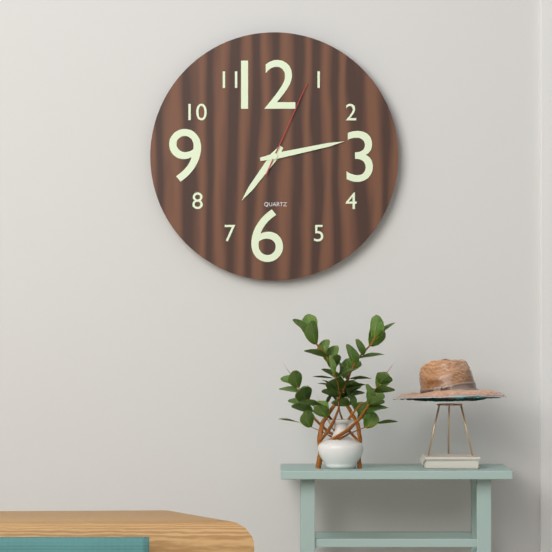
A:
7h13m04s
